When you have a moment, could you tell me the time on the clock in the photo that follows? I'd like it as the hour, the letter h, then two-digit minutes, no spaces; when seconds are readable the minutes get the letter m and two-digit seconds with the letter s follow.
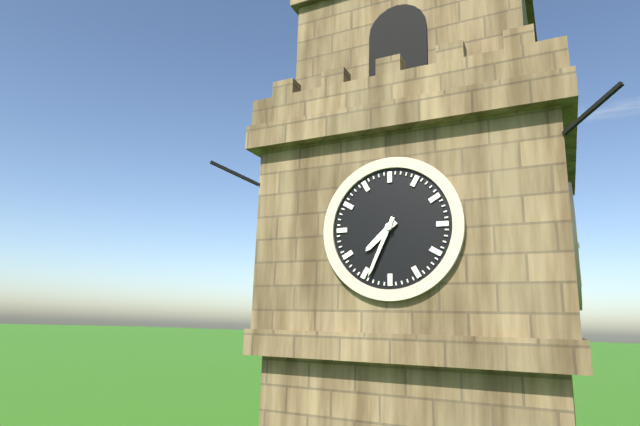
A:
7h34
